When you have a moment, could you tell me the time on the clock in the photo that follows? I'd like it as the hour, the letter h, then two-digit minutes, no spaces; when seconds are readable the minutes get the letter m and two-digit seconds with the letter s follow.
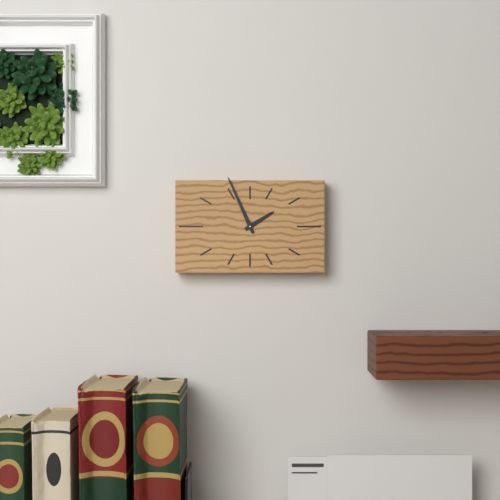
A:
1h56
